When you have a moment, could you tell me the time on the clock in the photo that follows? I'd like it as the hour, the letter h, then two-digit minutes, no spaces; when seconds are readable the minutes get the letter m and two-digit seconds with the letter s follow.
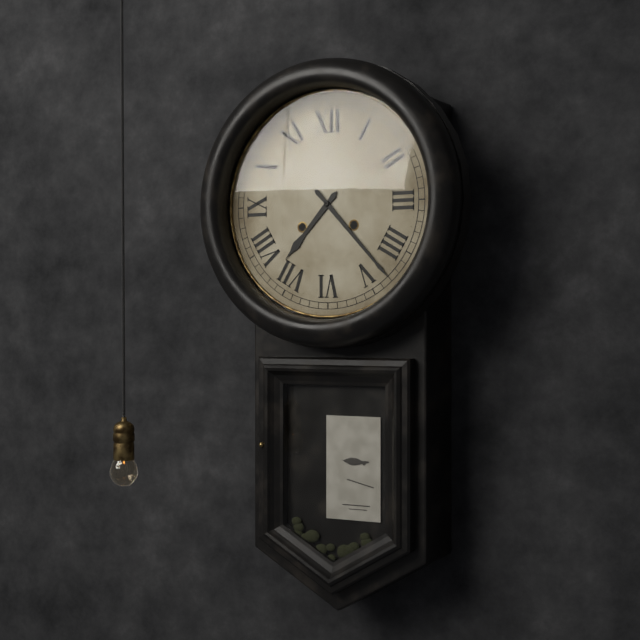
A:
7h23
